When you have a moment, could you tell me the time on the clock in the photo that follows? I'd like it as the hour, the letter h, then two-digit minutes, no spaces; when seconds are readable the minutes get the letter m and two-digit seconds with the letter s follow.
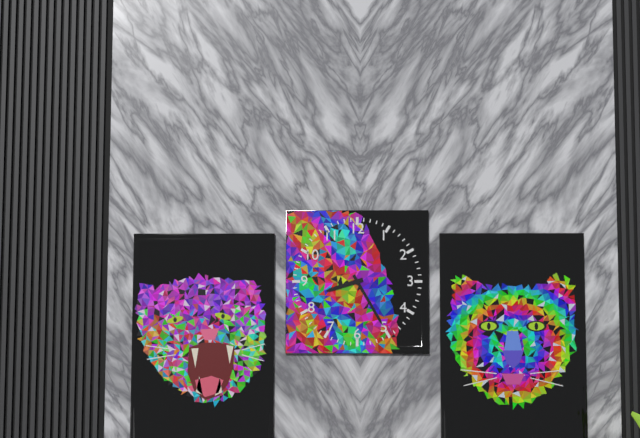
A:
8h25
